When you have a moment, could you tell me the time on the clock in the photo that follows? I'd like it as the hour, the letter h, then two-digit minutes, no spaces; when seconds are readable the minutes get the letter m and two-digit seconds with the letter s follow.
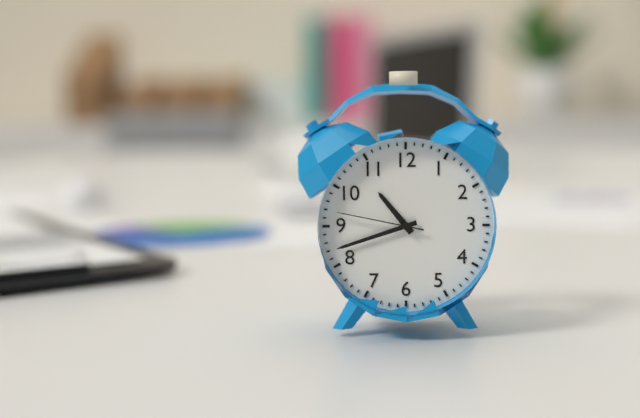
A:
10h42m47s
